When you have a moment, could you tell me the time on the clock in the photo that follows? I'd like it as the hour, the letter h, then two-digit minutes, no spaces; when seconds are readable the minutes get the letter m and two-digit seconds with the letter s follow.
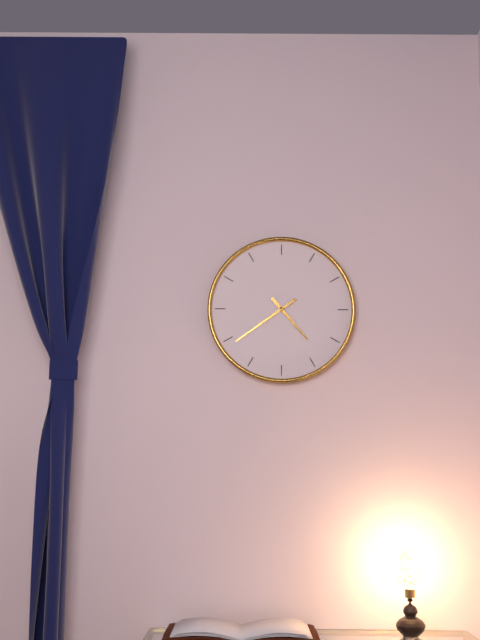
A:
4h39
